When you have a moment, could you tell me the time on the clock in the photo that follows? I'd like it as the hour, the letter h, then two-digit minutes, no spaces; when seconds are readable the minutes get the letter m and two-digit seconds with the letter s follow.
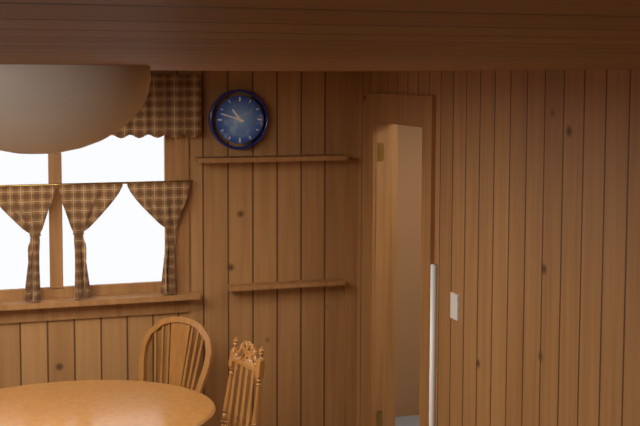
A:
10h48
